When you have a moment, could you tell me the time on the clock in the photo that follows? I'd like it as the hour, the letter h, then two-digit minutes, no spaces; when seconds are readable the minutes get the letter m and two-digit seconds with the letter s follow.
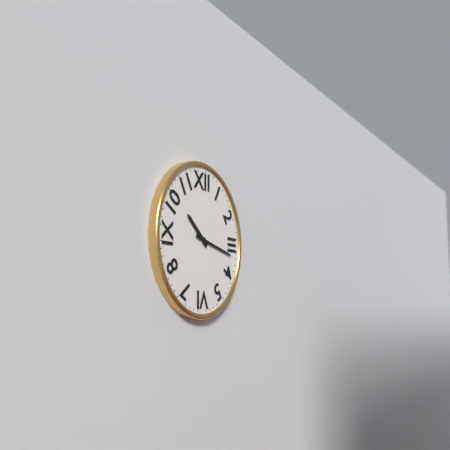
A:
10h17
